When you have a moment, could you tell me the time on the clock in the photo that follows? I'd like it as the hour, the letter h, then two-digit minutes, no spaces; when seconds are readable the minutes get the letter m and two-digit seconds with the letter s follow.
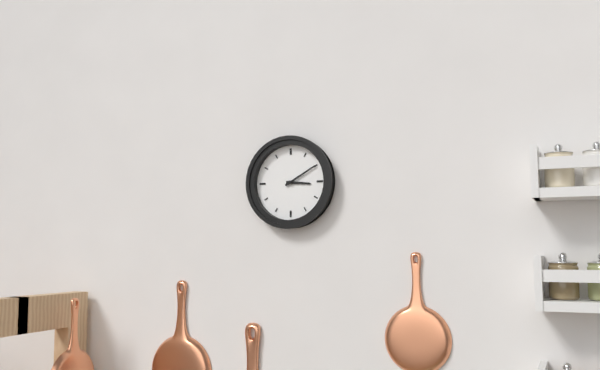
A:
3h10
